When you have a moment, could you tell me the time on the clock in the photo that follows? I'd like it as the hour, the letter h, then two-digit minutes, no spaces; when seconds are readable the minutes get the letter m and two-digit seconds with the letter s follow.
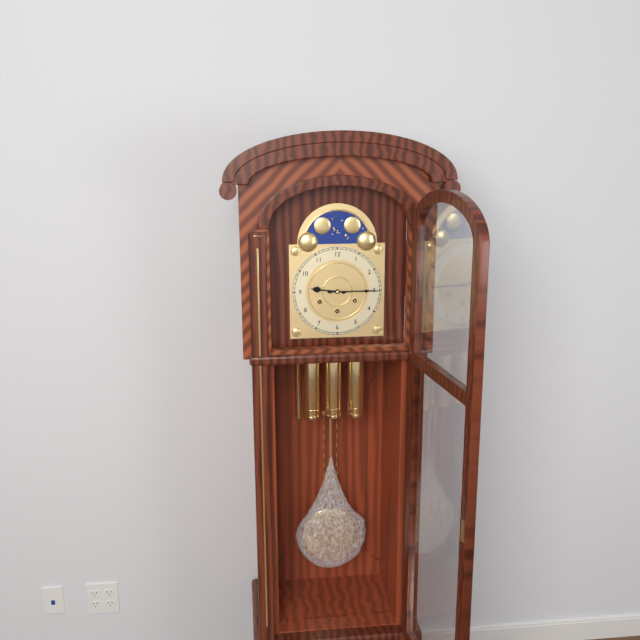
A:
9h15
